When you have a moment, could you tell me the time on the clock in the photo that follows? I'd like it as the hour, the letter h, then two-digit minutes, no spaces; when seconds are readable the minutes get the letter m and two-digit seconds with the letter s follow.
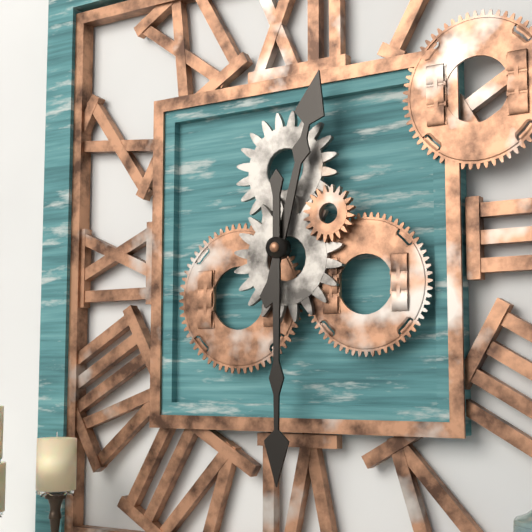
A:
12h30
